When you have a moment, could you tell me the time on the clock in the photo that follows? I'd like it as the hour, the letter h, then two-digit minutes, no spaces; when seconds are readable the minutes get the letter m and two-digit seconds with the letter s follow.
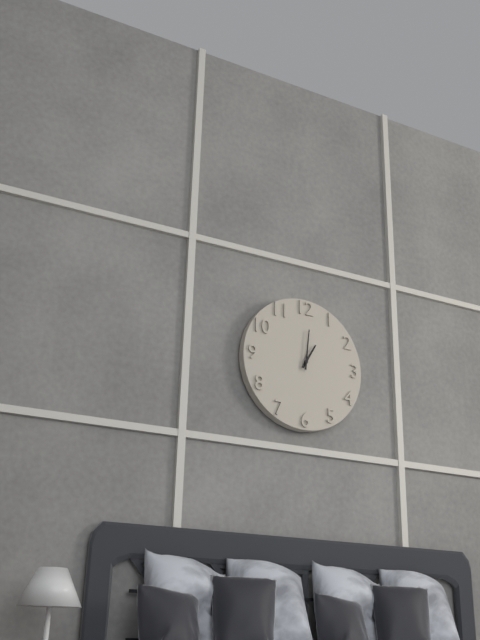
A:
1h01
